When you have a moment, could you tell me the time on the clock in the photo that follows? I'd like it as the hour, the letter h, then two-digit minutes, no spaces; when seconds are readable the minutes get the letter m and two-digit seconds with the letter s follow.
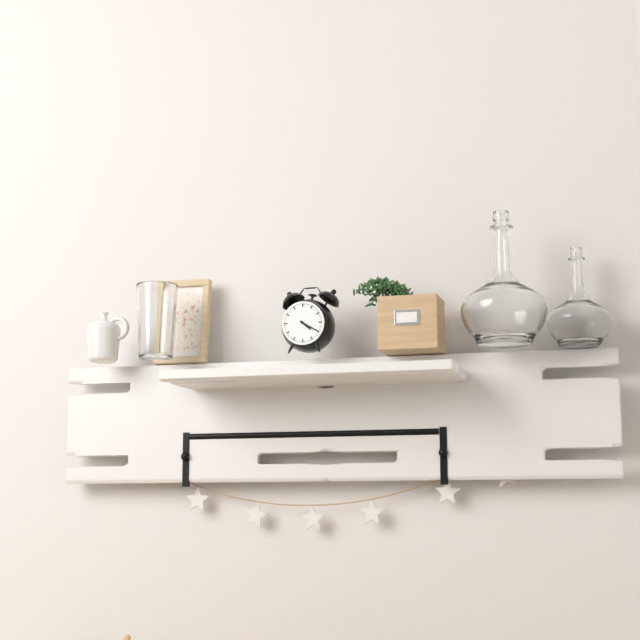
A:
4h20
